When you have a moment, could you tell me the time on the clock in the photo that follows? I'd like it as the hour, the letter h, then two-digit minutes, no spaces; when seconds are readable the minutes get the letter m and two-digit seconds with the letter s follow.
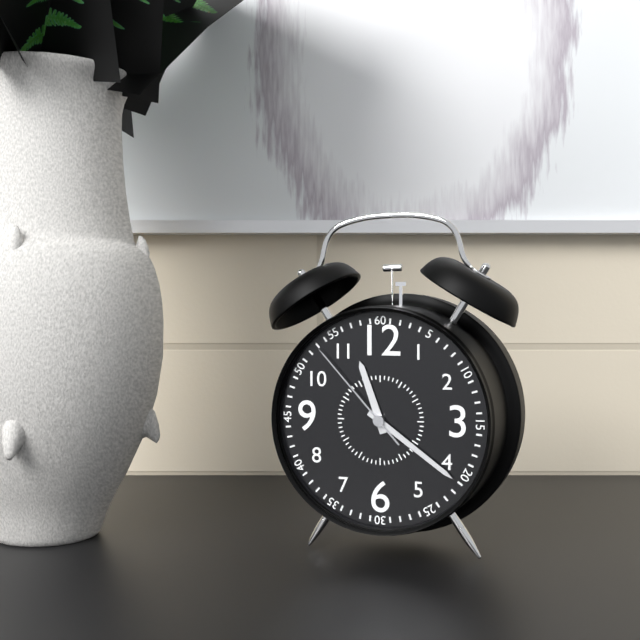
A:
11h21m53s
